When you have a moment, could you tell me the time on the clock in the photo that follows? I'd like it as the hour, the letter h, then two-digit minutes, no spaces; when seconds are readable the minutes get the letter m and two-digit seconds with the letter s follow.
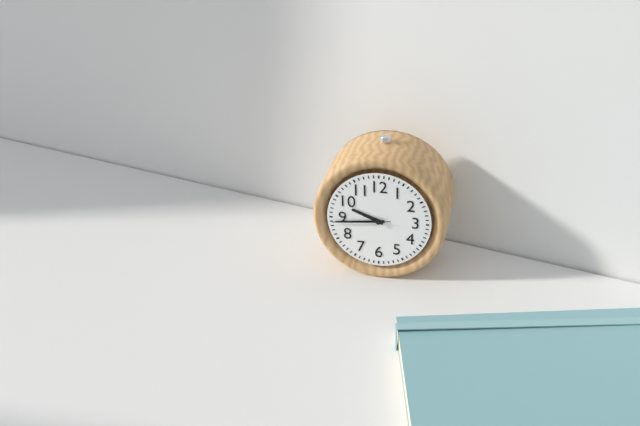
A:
9h44m44s
